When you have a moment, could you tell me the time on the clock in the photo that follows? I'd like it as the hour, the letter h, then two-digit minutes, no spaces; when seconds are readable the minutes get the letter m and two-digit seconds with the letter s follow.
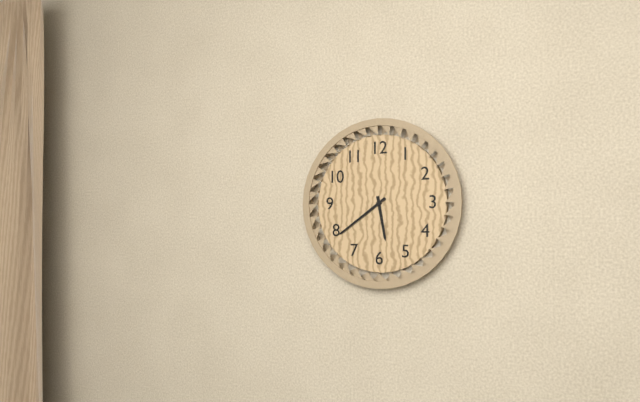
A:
5h39
